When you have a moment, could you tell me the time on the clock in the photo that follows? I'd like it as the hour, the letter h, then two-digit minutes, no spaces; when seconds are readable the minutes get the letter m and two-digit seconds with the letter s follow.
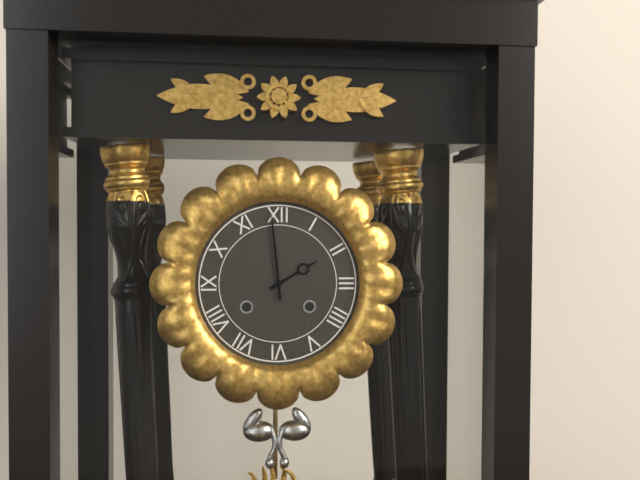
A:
1h59
